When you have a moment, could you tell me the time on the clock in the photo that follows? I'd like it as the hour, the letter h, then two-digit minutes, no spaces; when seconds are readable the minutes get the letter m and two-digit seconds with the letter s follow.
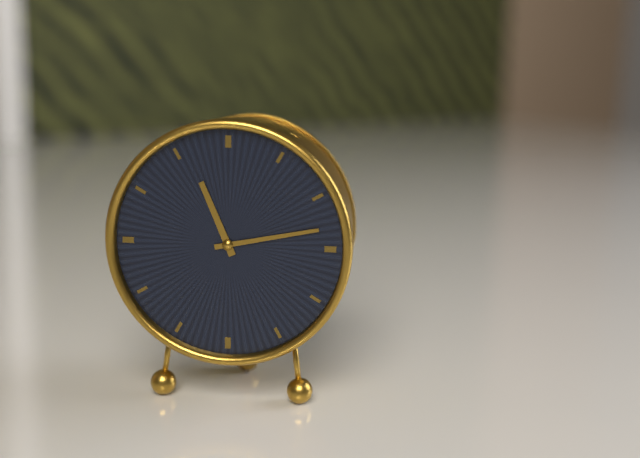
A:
11h13
